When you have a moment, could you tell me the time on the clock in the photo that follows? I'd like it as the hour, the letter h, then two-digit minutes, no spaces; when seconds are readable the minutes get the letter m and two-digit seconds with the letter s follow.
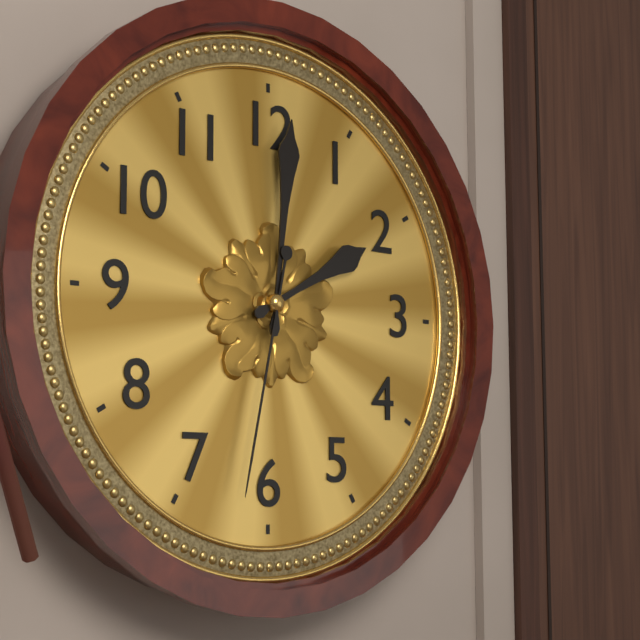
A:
2h01m32s
